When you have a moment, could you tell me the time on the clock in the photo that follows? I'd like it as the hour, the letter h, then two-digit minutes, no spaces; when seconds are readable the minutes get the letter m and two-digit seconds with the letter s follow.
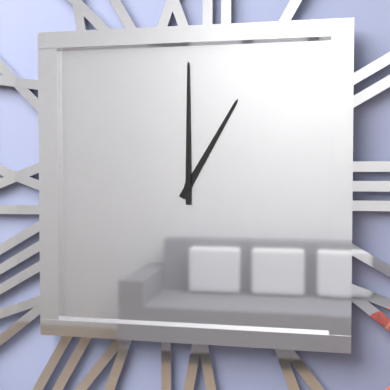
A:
1h00
